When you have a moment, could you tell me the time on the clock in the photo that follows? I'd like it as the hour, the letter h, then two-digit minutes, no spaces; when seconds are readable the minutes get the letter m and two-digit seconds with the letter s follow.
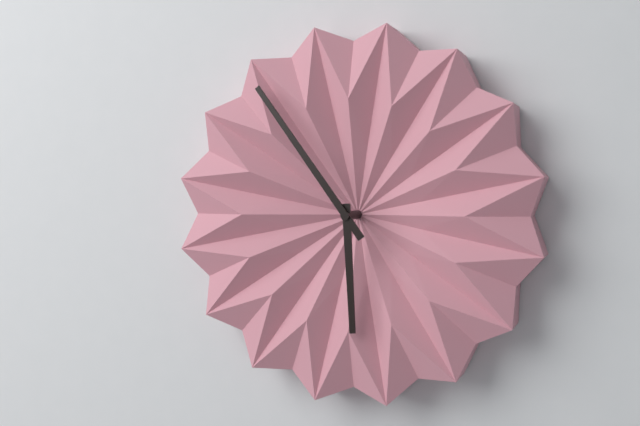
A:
5h54
